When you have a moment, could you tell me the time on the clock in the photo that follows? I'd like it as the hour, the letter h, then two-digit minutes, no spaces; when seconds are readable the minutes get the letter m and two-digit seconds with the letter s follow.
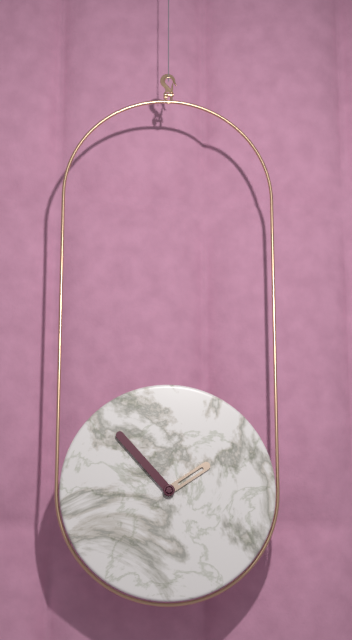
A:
1h53
